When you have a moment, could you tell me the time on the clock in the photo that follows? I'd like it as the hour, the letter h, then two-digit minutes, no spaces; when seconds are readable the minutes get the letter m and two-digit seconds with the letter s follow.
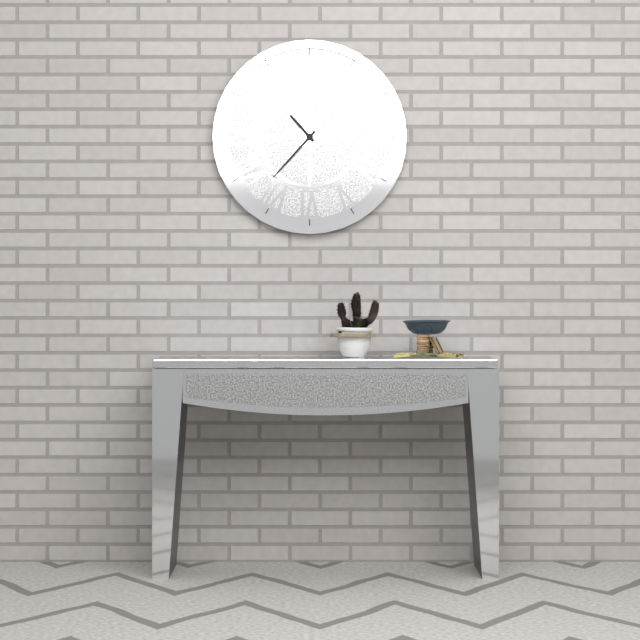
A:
10h37
